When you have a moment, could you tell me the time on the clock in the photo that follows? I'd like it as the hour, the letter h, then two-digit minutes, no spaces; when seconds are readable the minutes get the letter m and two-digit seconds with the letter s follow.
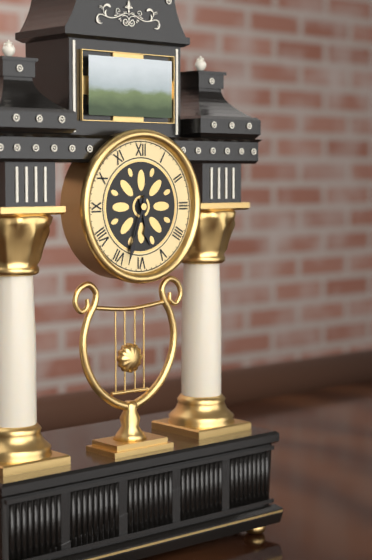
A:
5h33
